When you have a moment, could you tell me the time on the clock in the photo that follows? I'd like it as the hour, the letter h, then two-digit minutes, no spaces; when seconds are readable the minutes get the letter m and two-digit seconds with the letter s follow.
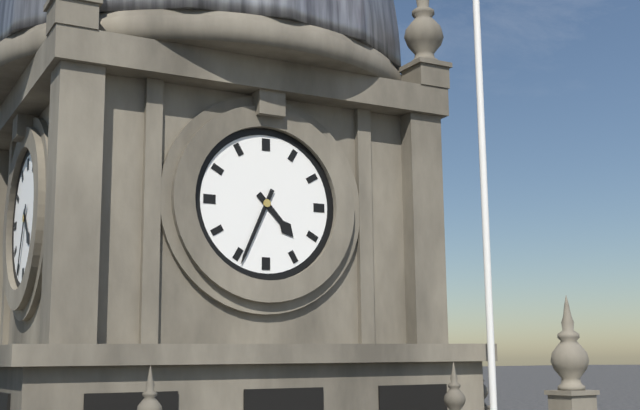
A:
4h34
